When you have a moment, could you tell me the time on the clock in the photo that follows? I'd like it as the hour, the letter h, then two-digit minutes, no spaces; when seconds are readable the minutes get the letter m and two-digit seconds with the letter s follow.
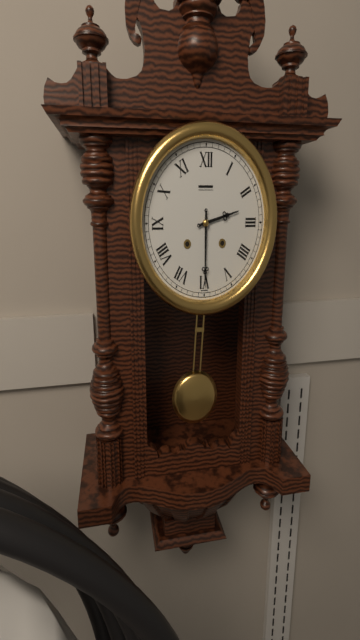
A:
2h30
